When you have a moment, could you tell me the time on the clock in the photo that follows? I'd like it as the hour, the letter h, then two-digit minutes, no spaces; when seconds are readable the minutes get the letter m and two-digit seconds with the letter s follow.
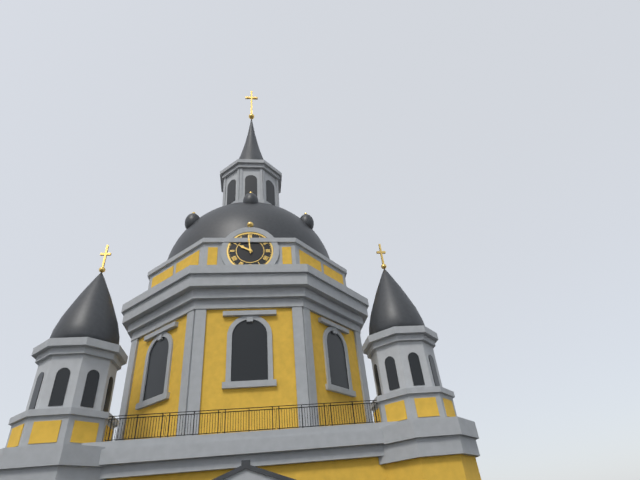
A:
9h59
